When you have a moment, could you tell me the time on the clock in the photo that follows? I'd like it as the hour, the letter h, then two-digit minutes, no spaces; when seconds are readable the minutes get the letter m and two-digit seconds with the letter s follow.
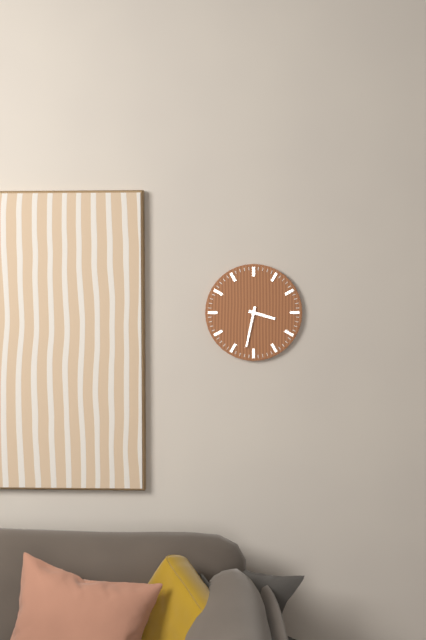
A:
3h32
